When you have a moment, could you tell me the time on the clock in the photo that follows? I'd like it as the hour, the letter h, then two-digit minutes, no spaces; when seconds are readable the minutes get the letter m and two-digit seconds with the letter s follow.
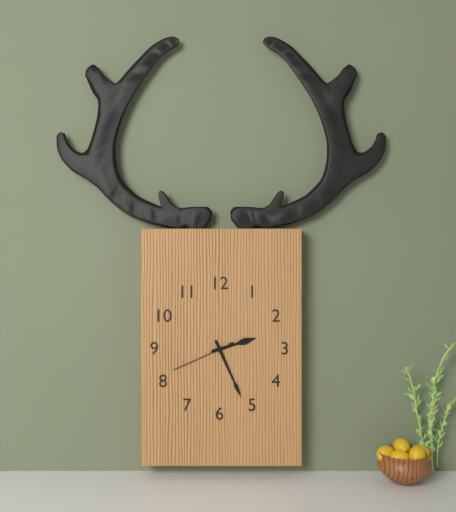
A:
2h26m41s
